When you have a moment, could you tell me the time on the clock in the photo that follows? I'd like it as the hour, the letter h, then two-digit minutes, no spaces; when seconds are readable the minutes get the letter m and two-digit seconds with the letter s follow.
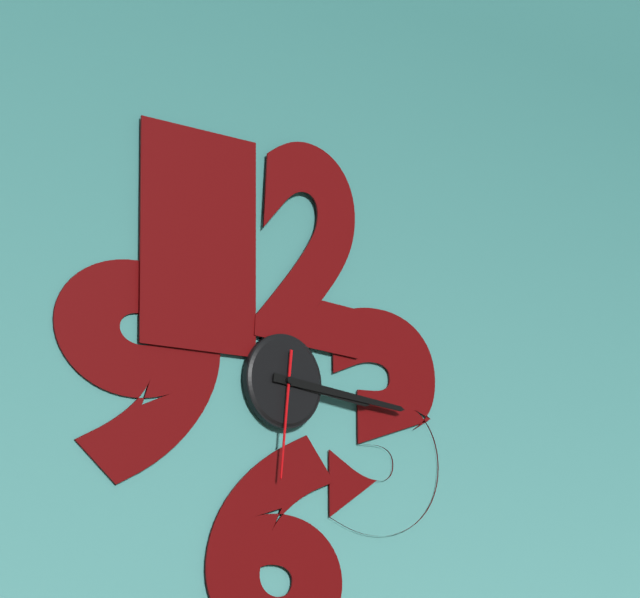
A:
3h16m31s
